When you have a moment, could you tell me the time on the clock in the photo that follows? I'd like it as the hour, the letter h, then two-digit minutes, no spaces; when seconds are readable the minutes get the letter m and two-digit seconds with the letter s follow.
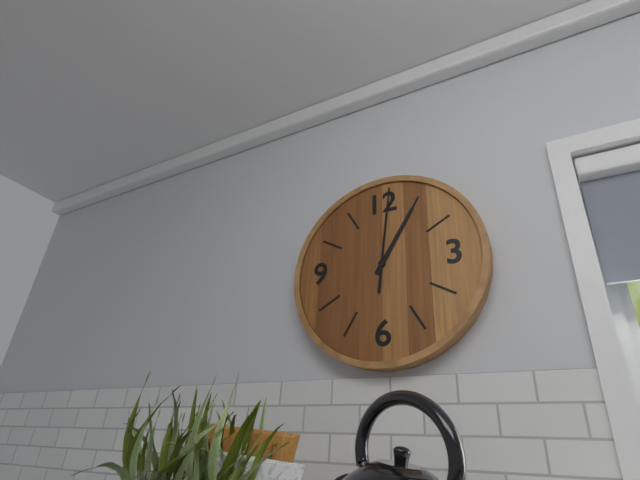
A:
1h01
